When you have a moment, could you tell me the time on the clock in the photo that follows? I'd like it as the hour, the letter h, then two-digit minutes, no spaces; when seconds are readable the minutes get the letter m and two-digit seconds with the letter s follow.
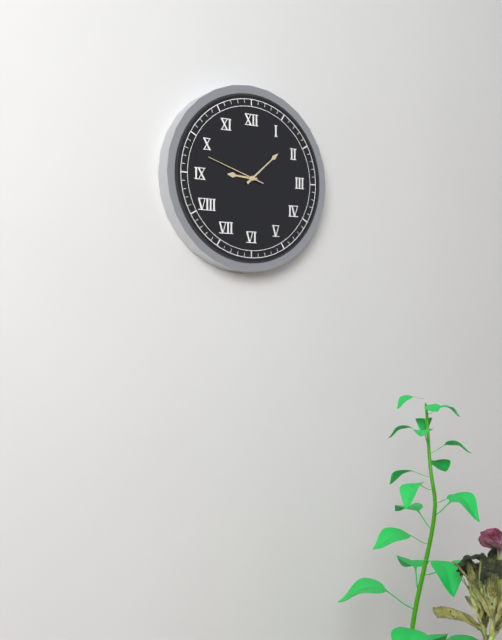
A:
9h08m48s
